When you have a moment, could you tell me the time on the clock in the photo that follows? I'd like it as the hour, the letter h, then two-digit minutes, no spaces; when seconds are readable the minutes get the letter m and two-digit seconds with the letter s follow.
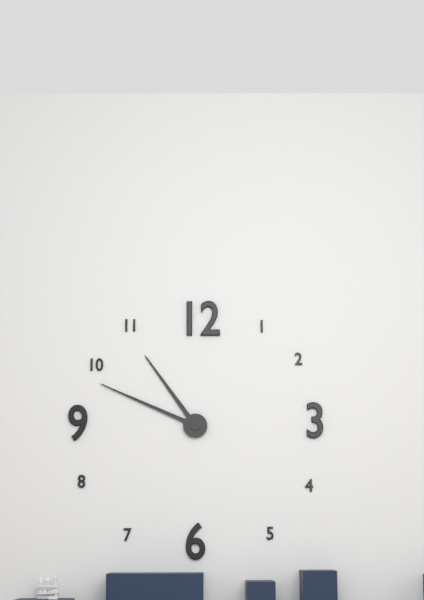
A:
10h49
